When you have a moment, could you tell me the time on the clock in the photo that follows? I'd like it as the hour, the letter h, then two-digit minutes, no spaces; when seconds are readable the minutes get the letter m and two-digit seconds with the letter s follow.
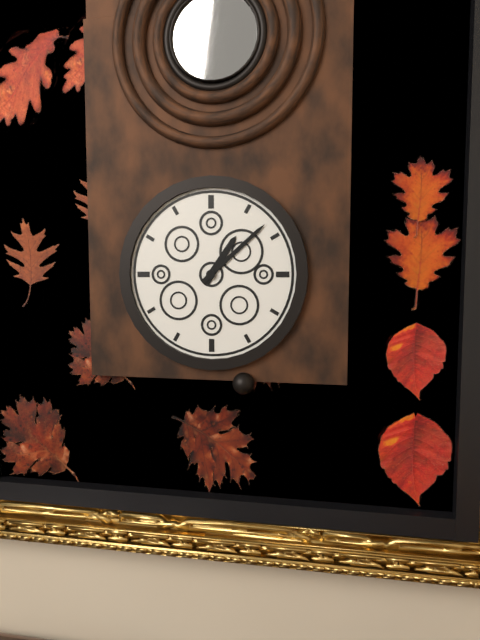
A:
1h08
